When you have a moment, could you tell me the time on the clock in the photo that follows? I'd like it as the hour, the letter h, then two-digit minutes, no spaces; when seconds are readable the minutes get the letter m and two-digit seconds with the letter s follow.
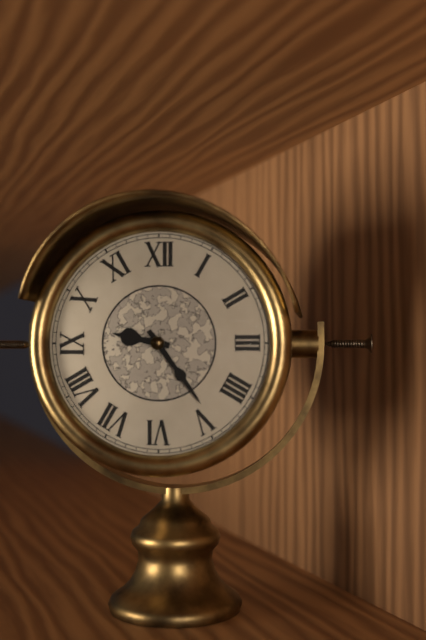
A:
9h24
